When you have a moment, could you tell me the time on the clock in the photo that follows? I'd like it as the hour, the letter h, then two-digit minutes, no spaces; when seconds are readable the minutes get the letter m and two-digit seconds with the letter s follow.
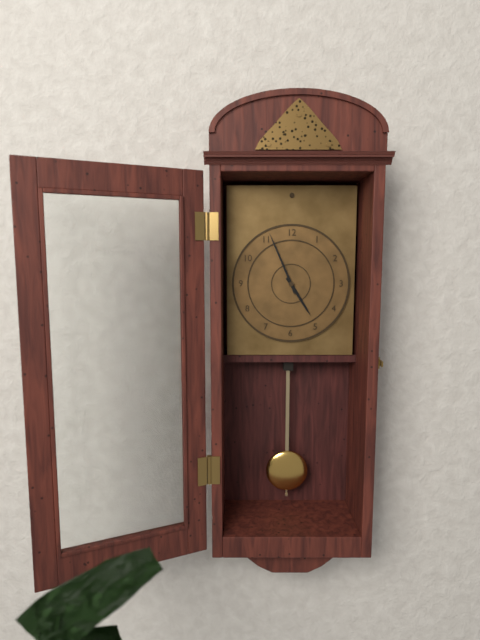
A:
4h56
